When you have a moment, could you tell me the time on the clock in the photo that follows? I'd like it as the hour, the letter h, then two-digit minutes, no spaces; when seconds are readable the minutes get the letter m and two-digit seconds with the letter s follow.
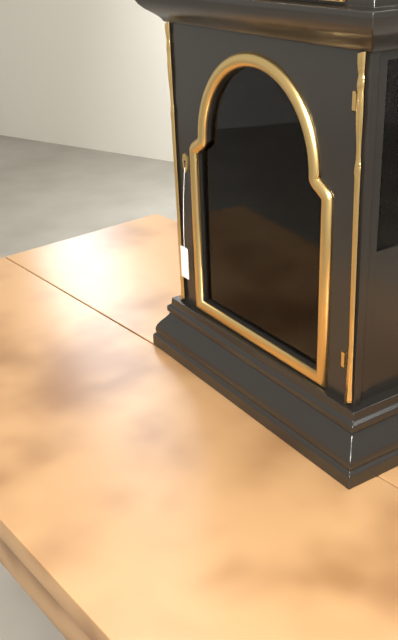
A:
6h42
